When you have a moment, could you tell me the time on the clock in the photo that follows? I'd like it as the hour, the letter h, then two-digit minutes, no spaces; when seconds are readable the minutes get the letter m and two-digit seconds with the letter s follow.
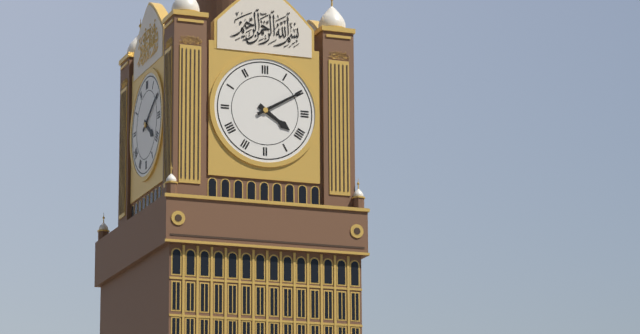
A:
4h10
